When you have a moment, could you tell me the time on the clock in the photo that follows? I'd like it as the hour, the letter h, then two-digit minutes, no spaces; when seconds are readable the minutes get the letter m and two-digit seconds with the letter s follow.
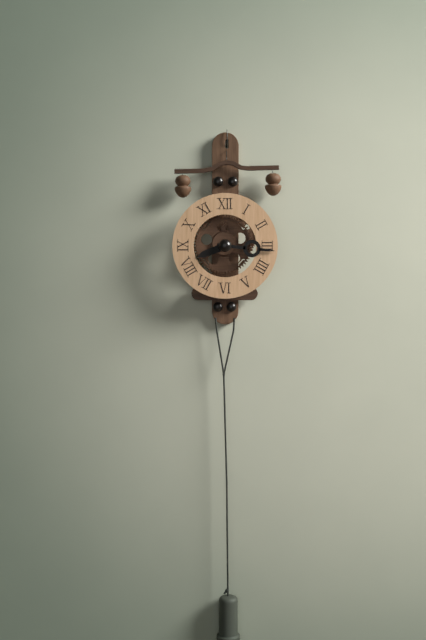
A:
8h16
